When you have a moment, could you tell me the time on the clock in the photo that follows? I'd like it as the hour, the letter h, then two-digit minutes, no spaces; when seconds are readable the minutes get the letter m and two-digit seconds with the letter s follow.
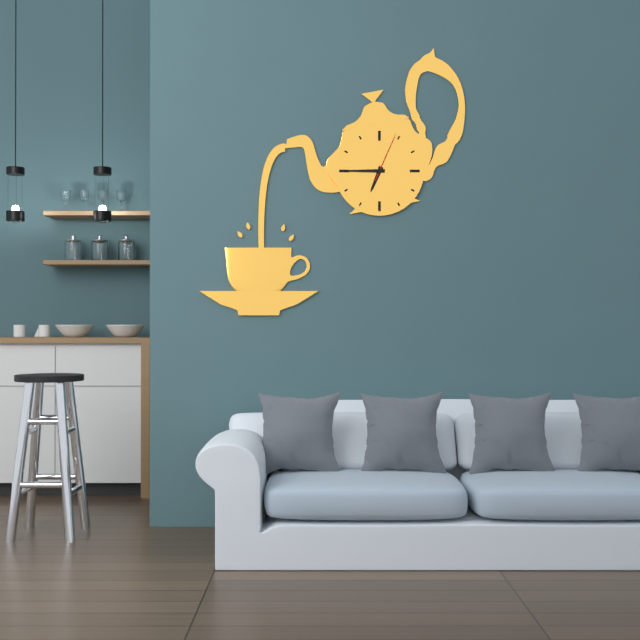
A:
6h45m04s
